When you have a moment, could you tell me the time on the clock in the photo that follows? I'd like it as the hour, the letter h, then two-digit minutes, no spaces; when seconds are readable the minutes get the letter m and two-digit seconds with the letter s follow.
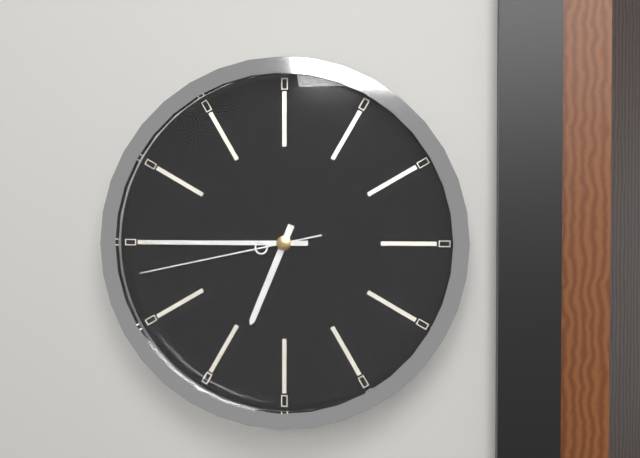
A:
6h45m43s
